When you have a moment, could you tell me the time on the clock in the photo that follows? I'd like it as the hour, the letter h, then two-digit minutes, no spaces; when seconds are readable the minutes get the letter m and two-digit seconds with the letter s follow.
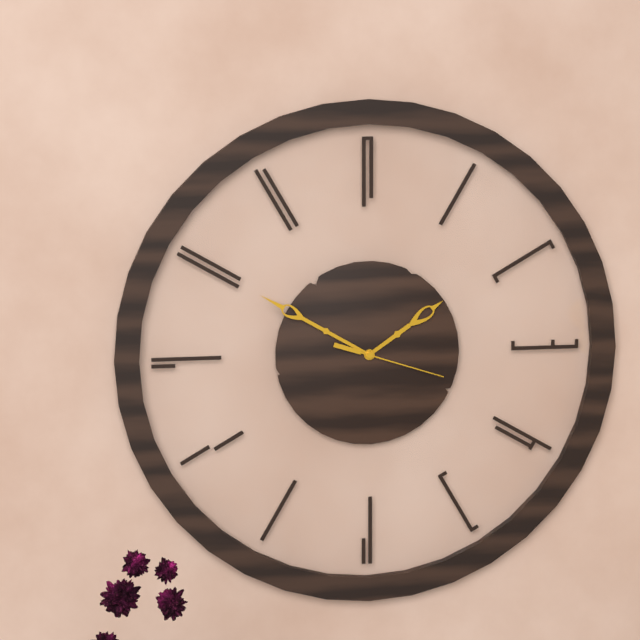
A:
1h50m18s
